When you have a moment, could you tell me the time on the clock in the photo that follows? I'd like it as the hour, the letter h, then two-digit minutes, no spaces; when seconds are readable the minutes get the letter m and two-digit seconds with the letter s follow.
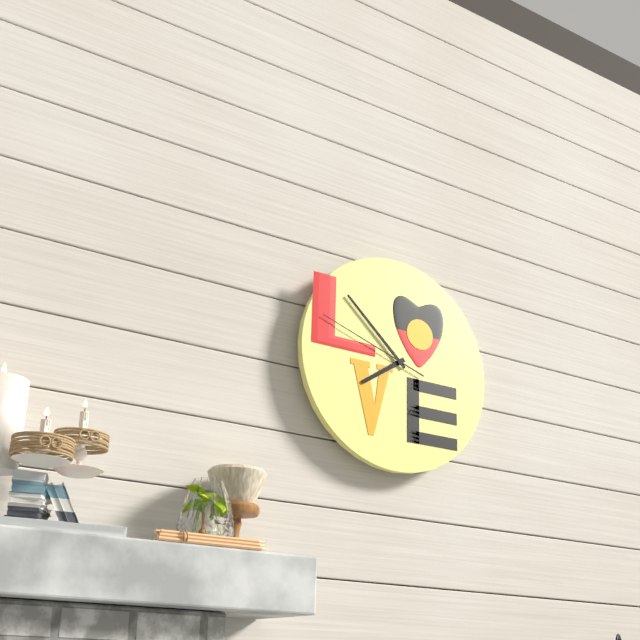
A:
7h52m48s
